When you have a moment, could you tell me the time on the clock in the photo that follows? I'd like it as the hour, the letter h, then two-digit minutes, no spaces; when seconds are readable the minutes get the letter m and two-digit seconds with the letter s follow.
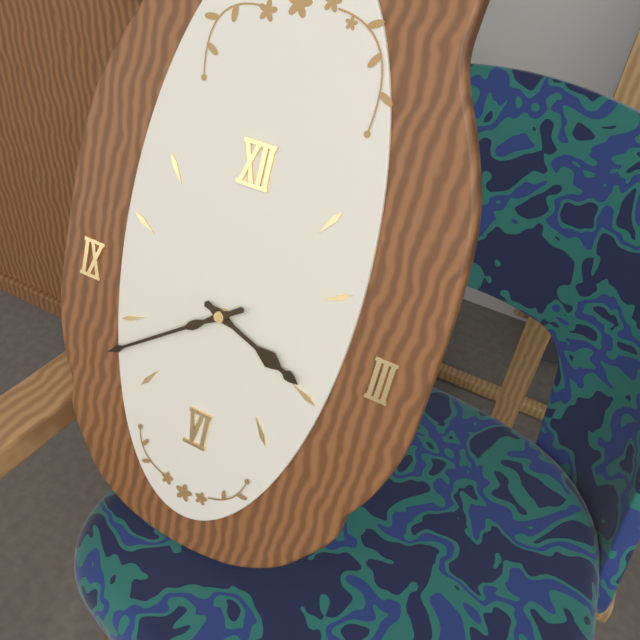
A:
3h39
